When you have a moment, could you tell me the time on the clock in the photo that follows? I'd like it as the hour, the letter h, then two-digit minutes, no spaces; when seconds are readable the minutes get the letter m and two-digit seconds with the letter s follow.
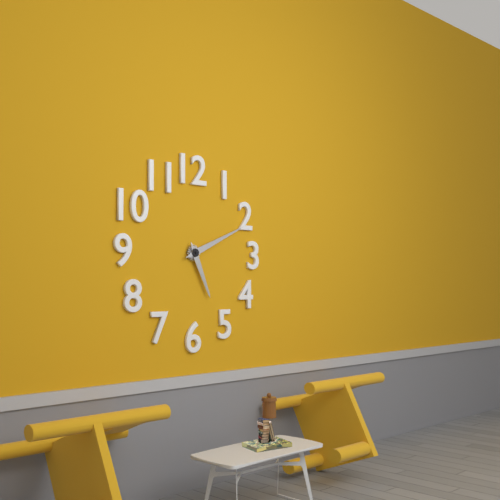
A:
5h11
